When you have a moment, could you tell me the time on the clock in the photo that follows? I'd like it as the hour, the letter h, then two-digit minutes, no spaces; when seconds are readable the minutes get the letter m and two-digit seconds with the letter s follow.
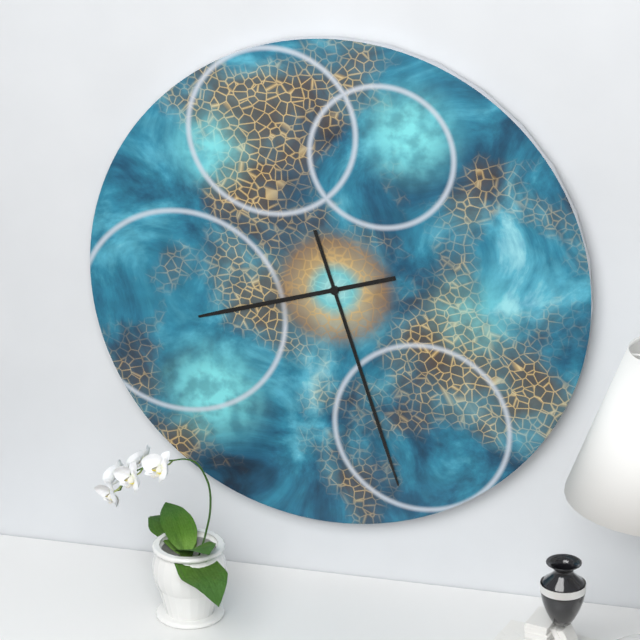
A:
8h27
